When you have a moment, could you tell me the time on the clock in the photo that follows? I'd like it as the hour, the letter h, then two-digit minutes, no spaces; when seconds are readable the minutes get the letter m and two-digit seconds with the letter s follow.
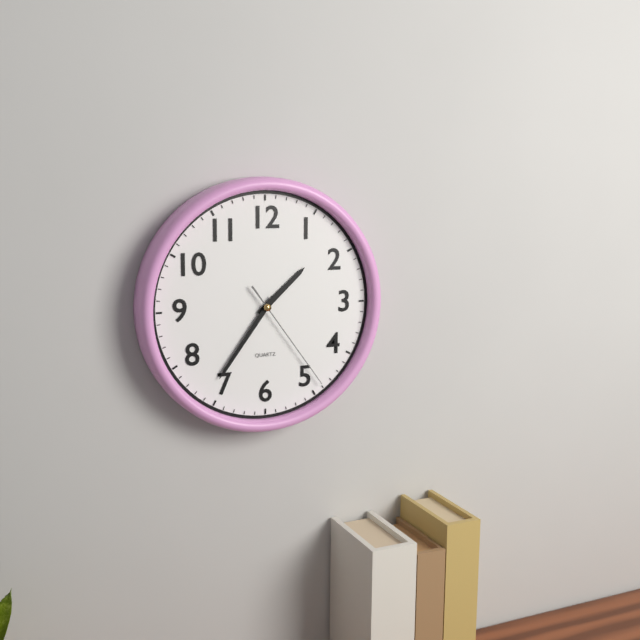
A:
1h36m24s
